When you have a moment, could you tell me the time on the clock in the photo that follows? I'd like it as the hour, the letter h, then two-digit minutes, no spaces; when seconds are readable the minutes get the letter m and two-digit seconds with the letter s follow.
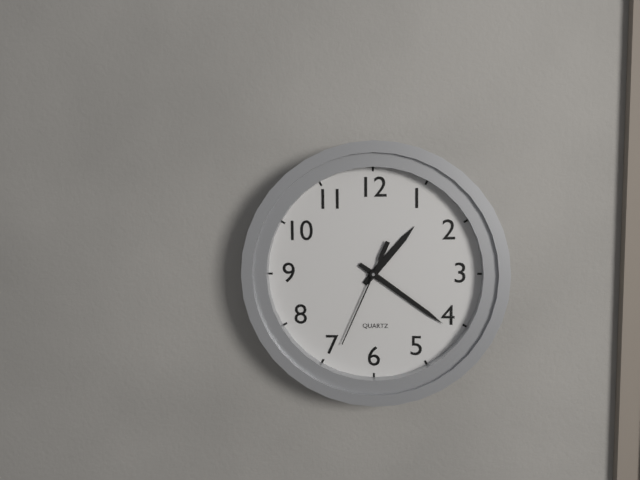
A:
1h21m34s
